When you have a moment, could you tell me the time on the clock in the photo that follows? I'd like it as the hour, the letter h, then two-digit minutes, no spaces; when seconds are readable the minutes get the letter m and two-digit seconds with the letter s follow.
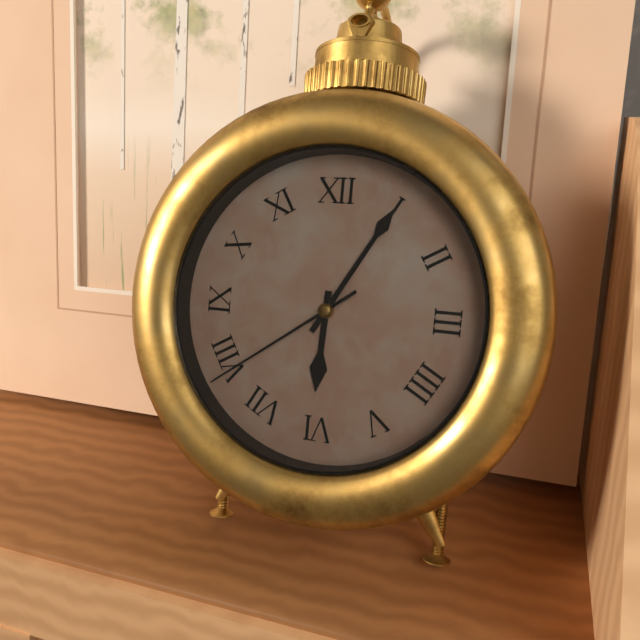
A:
6h05m39s
